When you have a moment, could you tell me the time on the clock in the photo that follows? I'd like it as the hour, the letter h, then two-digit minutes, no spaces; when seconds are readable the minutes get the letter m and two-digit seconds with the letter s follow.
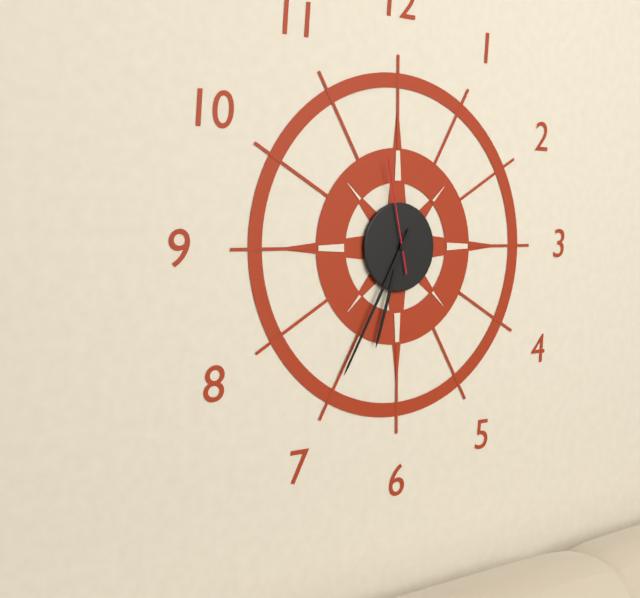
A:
6h35m58s
